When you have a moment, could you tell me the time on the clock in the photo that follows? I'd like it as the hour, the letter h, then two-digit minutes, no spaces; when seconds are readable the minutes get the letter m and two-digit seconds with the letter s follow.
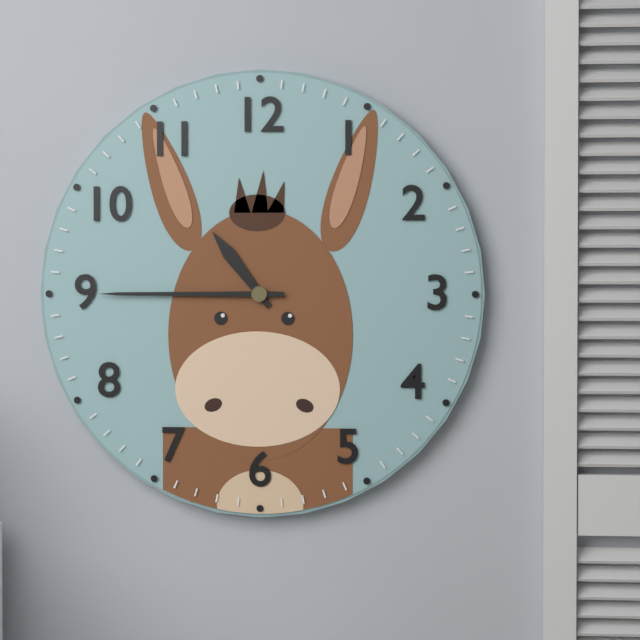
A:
10h45
